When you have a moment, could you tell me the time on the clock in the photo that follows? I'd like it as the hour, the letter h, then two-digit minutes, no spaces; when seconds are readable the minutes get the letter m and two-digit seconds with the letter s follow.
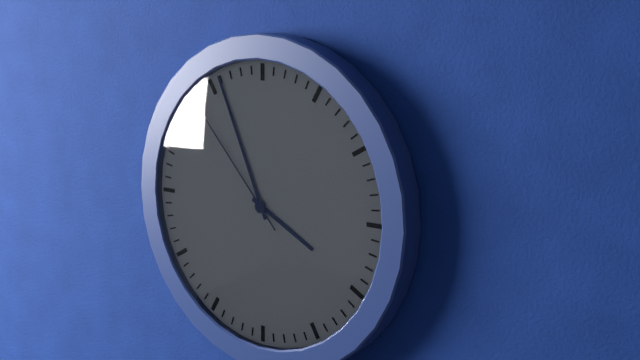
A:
3h56m53s
